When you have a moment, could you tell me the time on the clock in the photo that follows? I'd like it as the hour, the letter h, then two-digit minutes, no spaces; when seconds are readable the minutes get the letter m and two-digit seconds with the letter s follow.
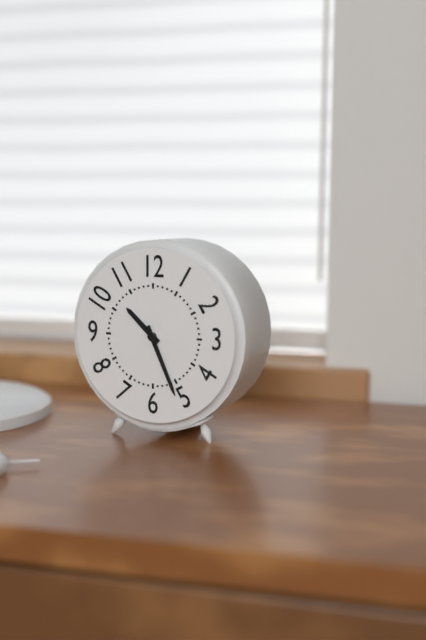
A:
10h26
